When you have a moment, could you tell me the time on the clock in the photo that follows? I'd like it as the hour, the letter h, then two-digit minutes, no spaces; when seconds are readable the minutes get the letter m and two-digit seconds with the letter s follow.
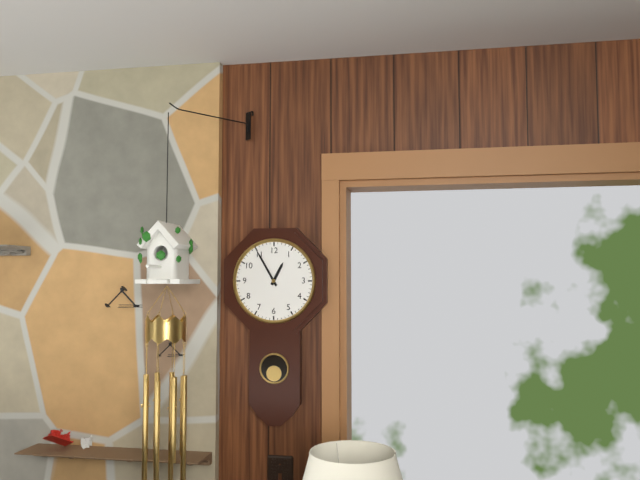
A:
12h55
